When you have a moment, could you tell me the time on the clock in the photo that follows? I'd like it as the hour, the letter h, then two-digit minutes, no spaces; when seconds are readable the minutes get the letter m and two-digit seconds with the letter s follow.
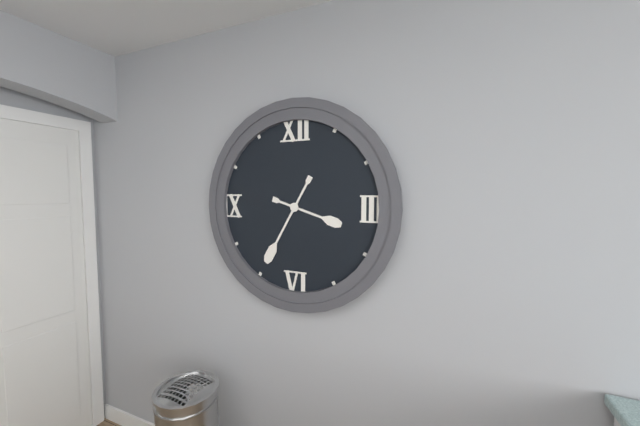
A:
3h35
